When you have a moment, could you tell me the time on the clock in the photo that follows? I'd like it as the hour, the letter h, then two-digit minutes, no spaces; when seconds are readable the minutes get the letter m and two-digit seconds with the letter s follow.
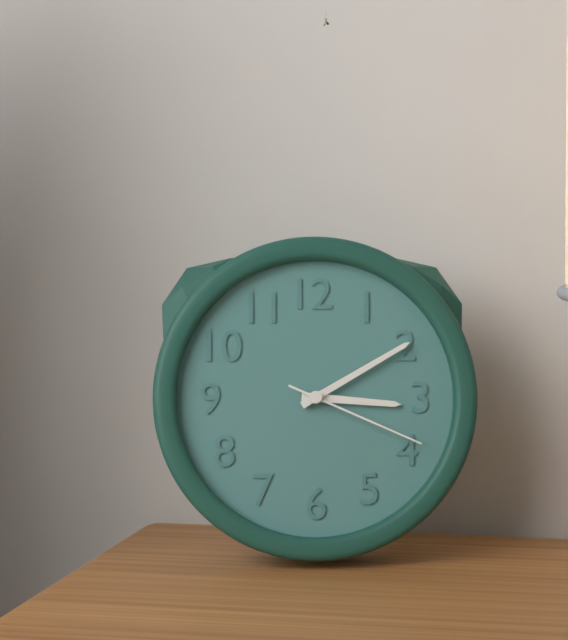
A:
3h10m19s
